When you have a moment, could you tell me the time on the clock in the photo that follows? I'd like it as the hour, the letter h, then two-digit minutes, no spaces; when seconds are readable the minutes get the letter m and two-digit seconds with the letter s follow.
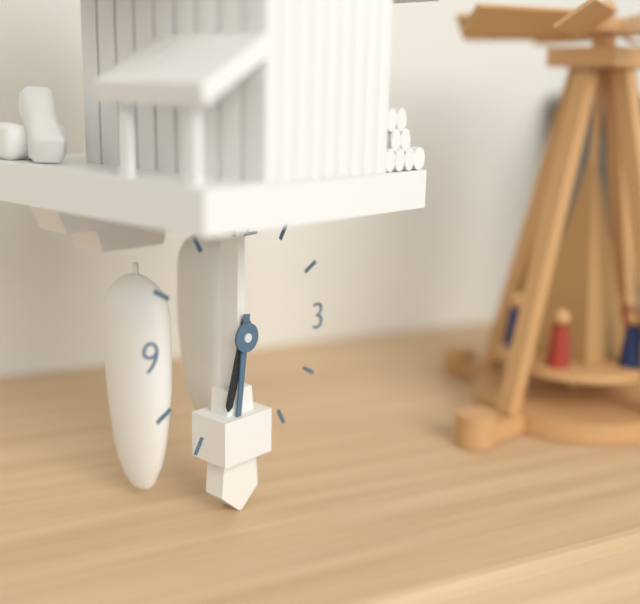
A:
6h31
